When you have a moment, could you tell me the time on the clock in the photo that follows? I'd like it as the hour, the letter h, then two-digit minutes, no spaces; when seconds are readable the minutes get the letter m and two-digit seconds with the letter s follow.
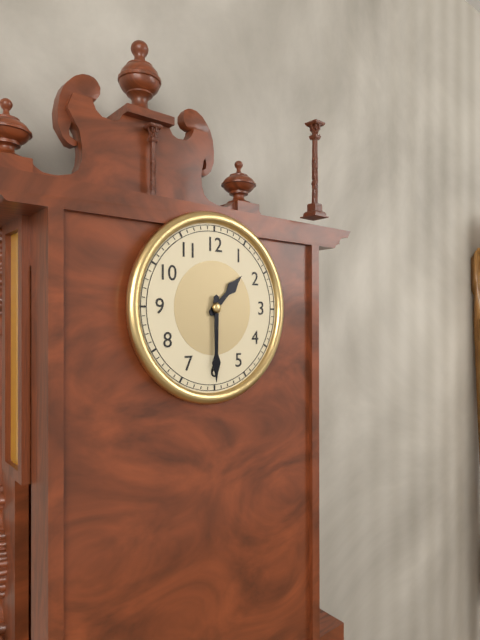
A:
1h30
